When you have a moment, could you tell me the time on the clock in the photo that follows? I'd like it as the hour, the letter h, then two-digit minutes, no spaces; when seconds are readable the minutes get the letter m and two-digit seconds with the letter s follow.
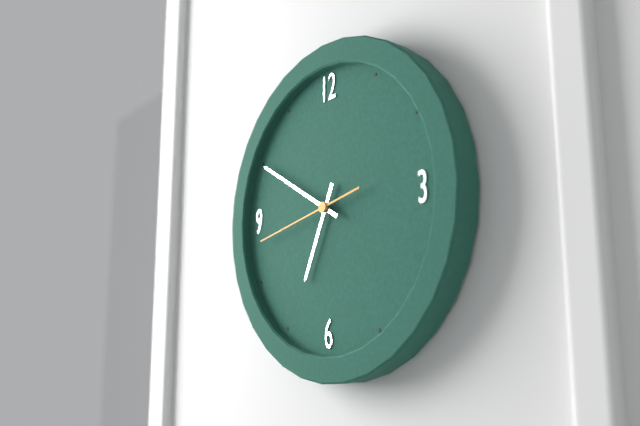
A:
6h50m43s
